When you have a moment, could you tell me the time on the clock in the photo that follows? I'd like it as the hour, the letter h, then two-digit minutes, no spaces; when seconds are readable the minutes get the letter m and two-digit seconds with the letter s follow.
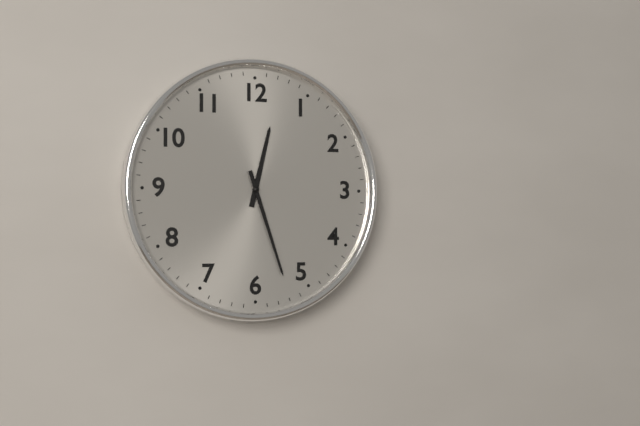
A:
12h27
